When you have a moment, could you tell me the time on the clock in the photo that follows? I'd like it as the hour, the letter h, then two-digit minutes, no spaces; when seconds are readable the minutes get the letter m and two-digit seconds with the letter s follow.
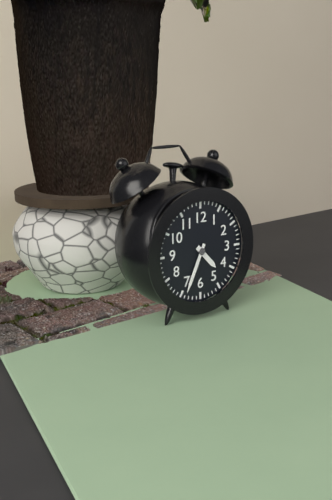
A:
4h34
